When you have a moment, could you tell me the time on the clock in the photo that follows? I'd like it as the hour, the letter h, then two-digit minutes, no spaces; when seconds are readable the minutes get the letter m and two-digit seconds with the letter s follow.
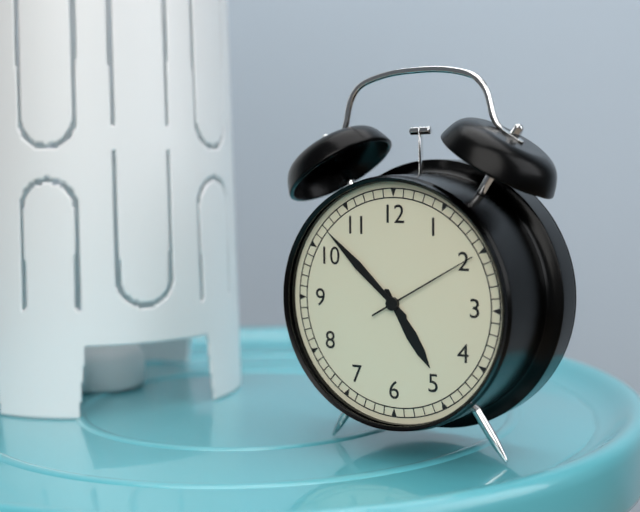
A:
4h52m10s
